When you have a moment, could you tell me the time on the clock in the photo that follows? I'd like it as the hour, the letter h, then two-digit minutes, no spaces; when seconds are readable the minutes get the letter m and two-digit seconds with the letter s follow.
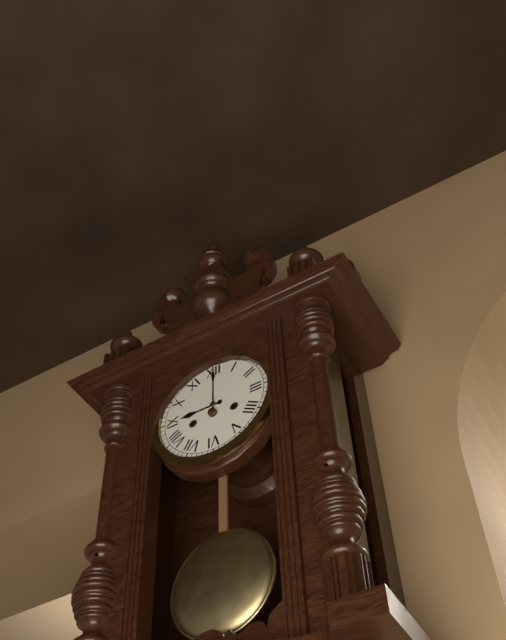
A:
9h00
